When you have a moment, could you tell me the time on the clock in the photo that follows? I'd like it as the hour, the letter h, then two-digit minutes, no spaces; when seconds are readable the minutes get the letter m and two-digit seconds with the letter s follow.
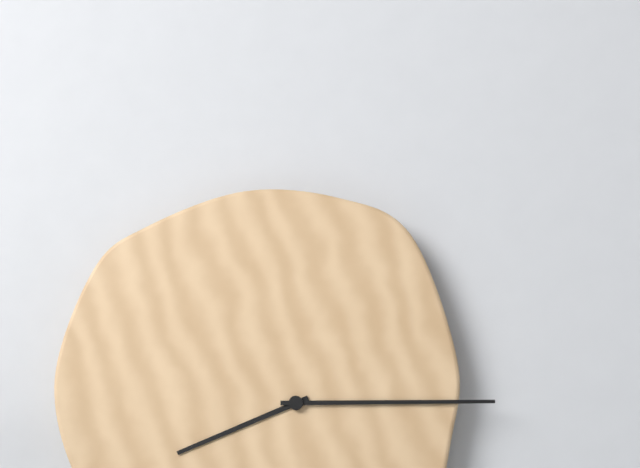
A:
8h15
